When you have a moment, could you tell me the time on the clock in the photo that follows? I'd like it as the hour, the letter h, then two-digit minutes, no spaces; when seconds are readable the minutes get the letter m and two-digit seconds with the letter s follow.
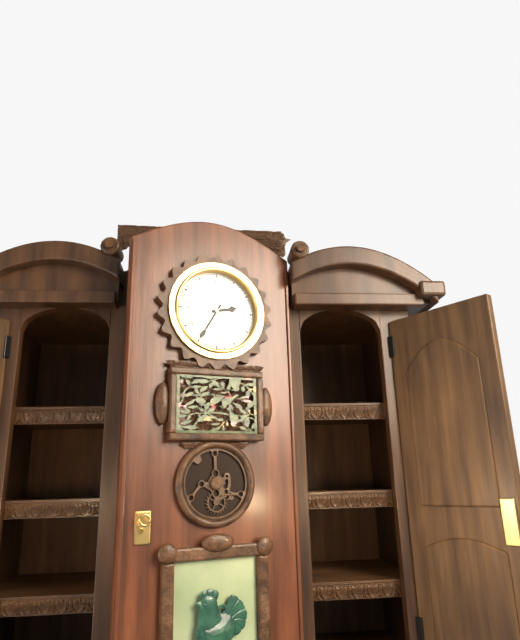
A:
2h35
